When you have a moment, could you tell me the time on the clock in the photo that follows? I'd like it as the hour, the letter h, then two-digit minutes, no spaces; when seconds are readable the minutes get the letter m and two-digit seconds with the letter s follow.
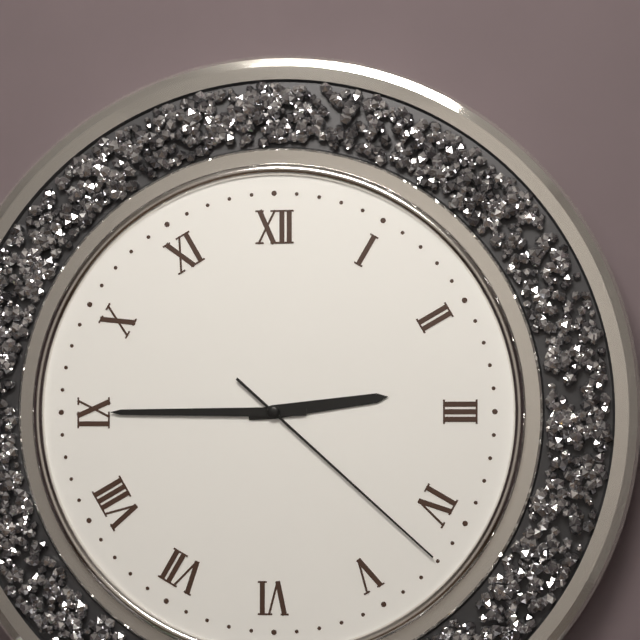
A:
2h45m22s
